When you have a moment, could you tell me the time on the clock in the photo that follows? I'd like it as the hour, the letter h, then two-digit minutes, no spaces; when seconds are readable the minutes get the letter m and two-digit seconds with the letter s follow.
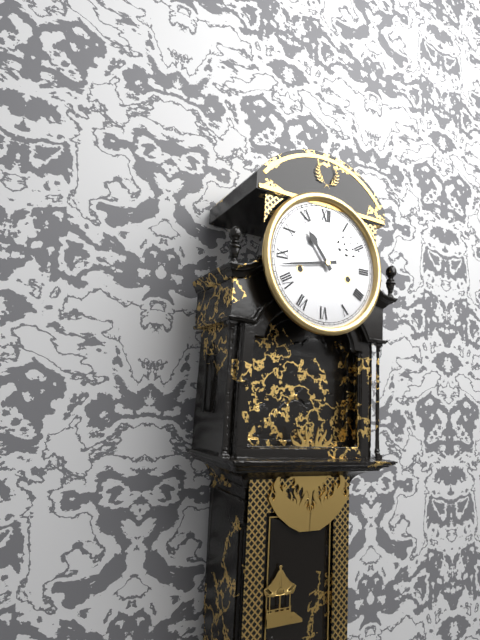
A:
10h43
